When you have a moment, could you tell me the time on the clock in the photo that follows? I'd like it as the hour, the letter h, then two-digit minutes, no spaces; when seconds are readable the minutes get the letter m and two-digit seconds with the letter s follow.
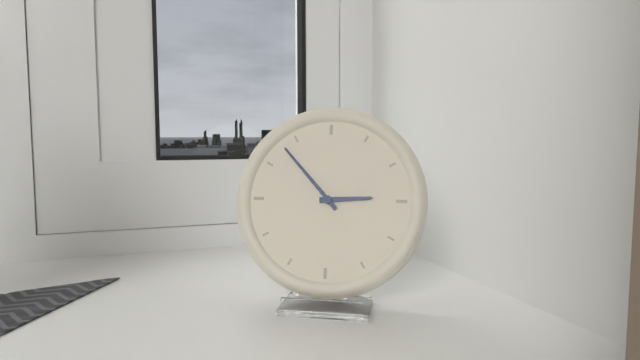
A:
2h53
